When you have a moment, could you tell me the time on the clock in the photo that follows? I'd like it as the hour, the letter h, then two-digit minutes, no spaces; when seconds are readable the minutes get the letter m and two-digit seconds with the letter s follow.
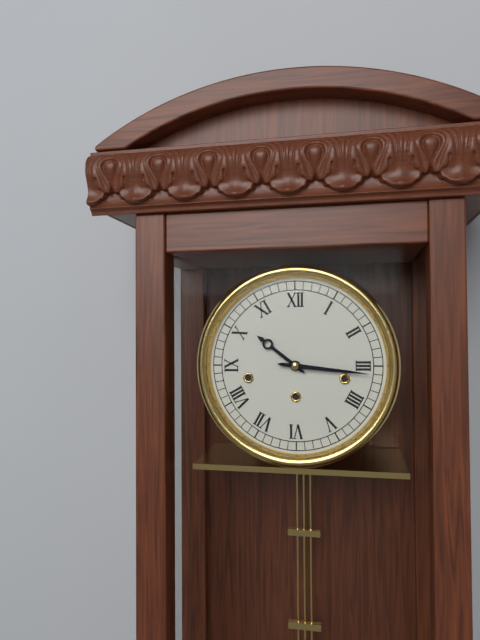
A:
10h16
